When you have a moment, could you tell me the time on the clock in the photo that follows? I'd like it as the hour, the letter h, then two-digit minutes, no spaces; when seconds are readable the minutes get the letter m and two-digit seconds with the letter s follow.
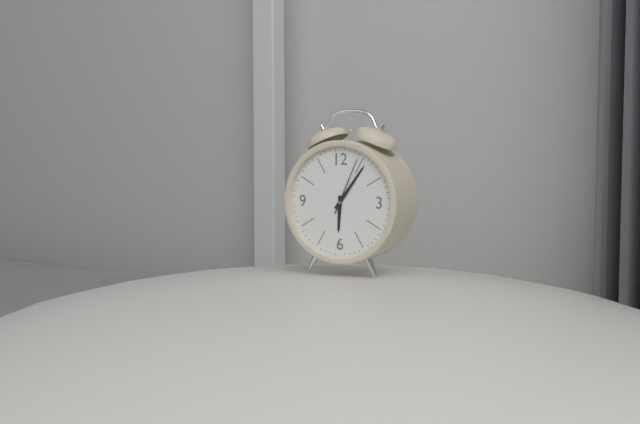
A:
6h06m04s
